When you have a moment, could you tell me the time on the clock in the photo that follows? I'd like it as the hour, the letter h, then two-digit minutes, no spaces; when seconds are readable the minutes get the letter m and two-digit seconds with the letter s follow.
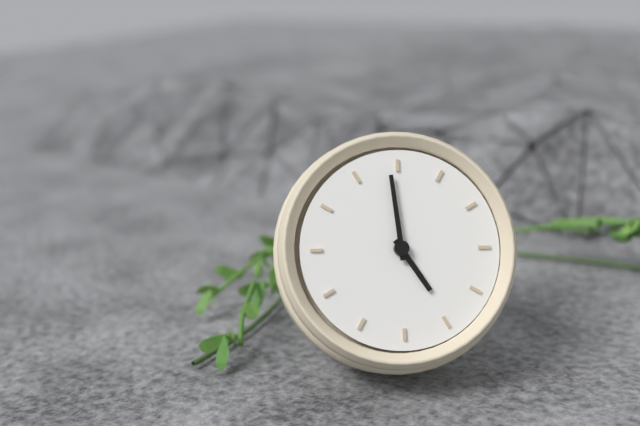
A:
3h54
